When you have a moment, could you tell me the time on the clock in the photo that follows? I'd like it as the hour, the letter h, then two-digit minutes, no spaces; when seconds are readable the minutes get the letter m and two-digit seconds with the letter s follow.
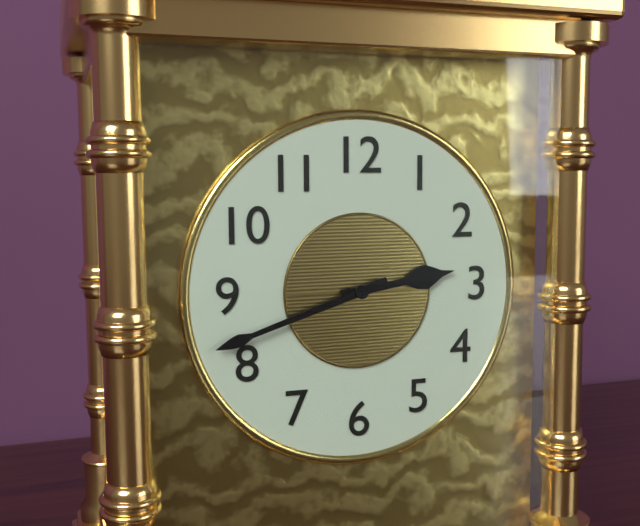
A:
2h42
